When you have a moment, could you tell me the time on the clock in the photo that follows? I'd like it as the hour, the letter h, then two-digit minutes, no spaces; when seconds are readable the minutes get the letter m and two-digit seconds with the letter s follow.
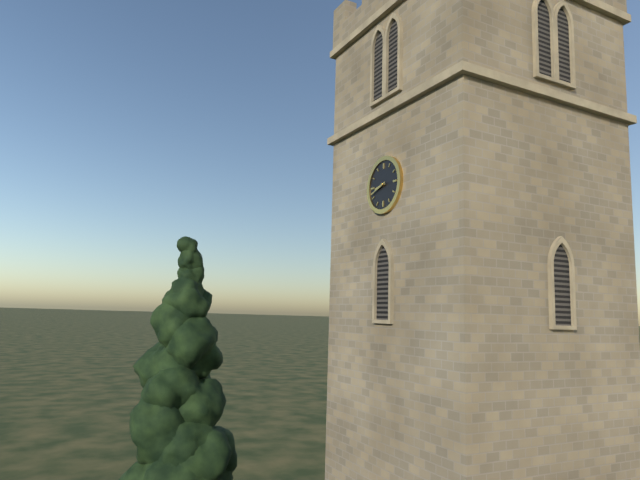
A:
8h42
